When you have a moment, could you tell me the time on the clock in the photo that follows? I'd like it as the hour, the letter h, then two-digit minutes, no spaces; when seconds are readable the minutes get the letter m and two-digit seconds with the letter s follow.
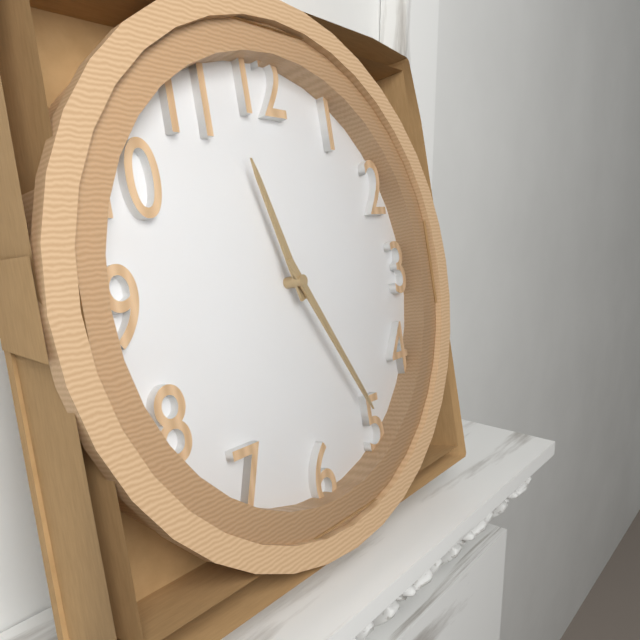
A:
11h25
